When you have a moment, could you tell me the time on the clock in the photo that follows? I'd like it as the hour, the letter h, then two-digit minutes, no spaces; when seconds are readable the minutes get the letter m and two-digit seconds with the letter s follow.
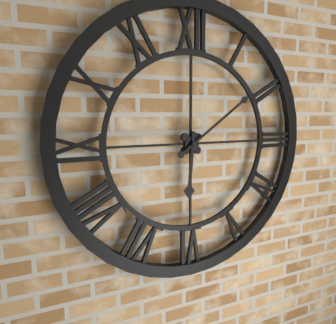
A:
6h09
